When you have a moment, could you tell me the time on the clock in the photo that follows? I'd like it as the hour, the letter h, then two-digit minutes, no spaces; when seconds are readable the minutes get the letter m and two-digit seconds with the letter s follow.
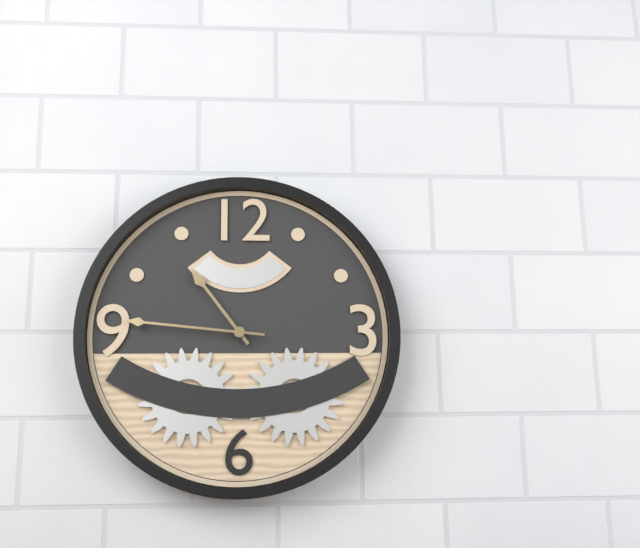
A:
10h46
